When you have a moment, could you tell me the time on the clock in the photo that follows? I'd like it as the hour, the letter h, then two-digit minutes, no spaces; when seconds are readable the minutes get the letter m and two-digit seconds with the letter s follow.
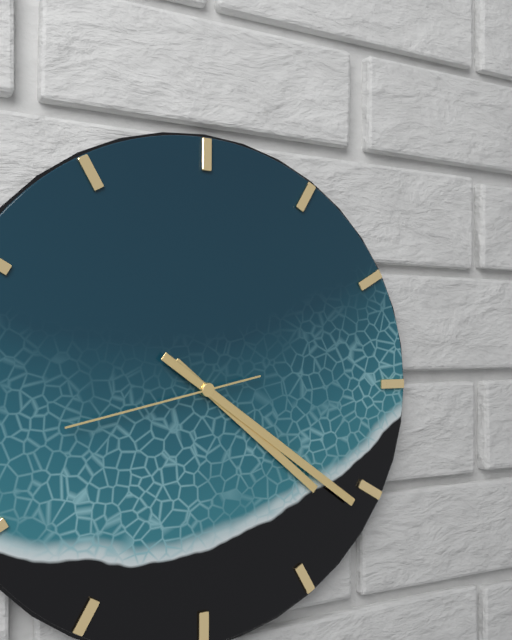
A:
4h21m43s
